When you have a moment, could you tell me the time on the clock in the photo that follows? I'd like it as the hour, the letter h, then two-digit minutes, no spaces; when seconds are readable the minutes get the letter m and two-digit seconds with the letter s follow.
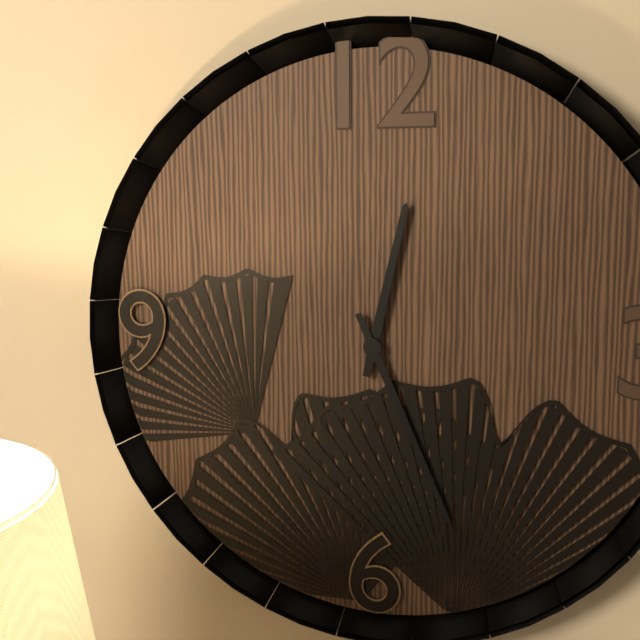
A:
12h26
